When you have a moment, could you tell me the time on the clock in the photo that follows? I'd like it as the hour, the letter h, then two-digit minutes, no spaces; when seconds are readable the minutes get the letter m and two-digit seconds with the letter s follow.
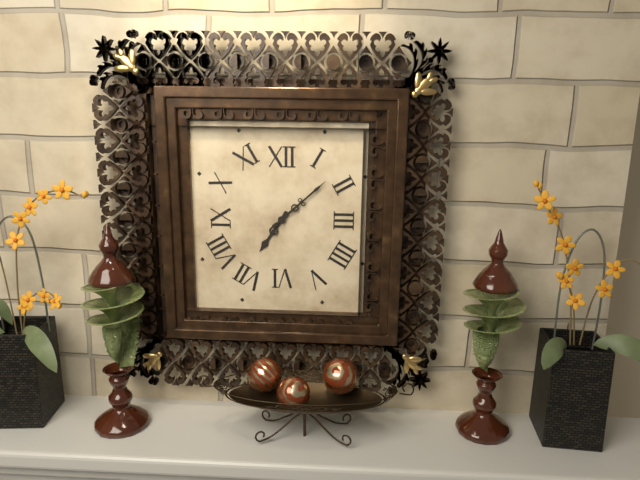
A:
7h08
